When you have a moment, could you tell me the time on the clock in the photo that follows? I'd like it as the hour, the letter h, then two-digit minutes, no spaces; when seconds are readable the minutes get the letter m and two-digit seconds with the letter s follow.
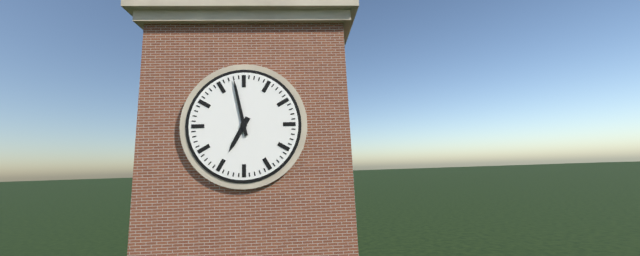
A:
6h58
